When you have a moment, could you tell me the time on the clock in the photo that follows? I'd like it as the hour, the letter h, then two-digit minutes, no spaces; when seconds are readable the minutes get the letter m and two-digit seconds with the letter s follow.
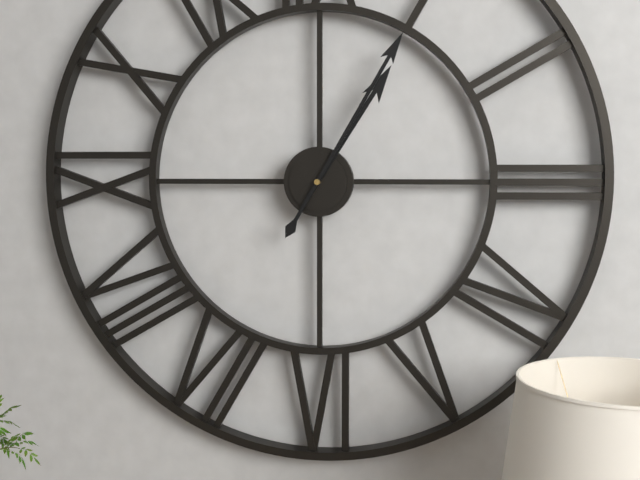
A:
1h05
